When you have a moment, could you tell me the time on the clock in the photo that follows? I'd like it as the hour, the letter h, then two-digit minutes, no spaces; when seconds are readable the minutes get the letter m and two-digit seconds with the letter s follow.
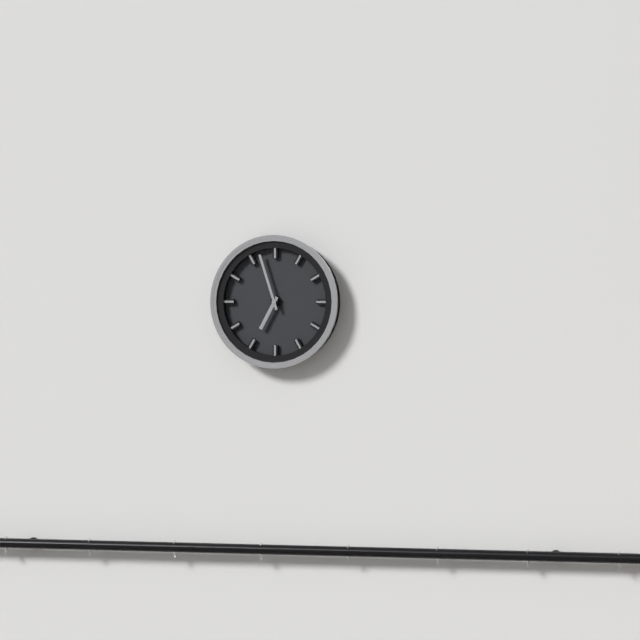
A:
6h57
